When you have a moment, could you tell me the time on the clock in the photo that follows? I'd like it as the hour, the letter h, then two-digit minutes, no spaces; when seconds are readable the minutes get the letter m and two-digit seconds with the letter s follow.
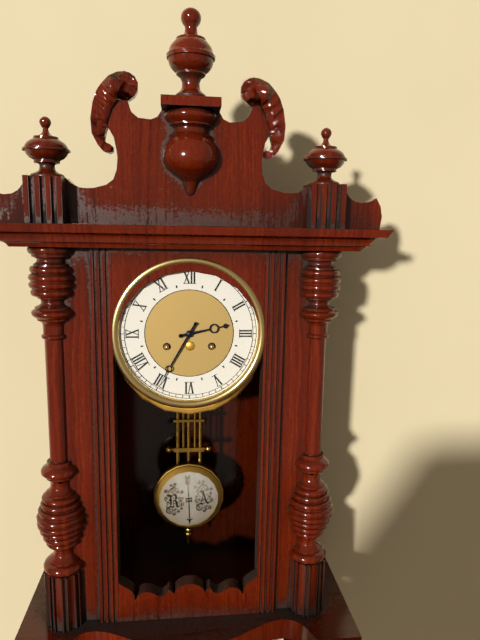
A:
2h35
